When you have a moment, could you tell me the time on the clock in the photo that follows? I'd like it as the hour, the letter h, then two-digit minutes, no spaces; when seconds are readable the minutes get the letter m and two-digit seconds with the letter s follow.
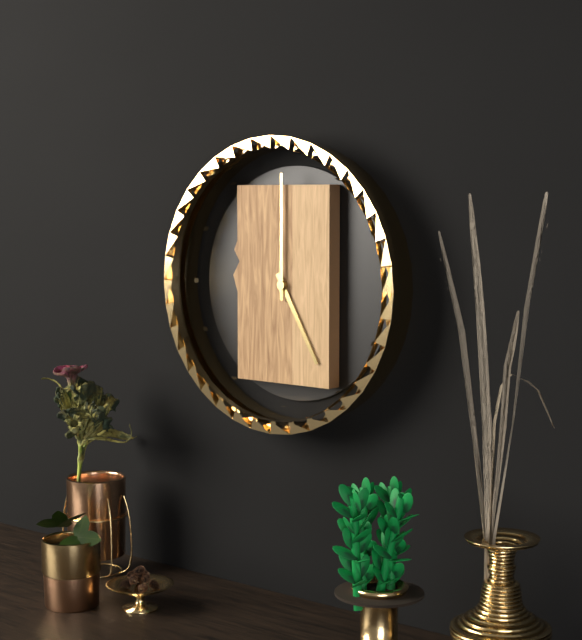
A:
5h00
